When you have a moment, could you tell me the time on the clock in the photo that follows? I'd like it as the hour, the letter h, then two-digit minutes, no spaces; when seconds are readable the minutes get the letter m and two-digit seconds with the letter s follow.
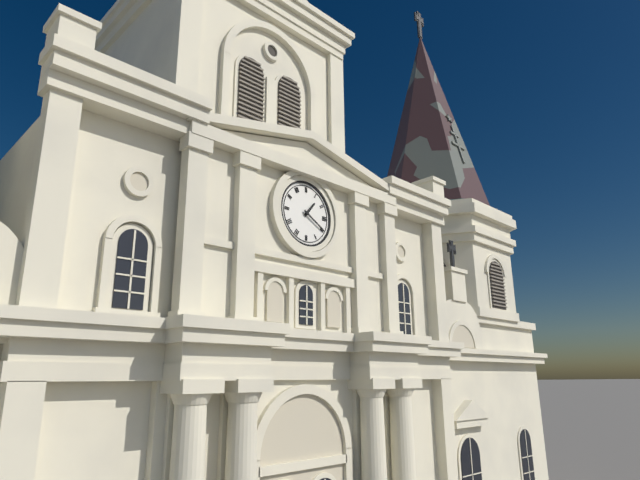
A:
1h20
